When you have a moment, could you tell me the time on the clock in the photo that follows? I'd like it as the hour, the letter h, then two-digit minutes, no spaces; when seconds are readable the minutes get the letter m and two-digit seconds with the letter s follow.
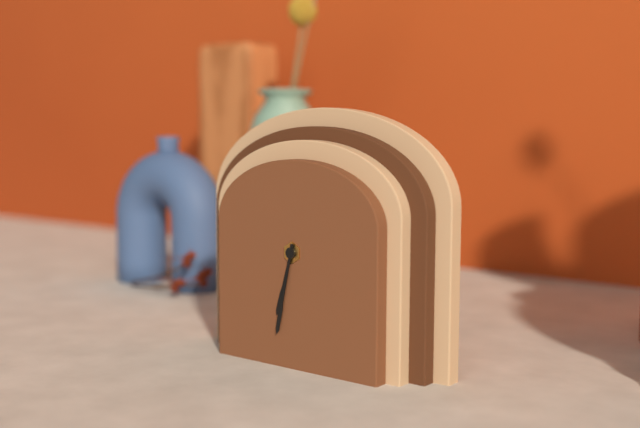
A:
6h32
